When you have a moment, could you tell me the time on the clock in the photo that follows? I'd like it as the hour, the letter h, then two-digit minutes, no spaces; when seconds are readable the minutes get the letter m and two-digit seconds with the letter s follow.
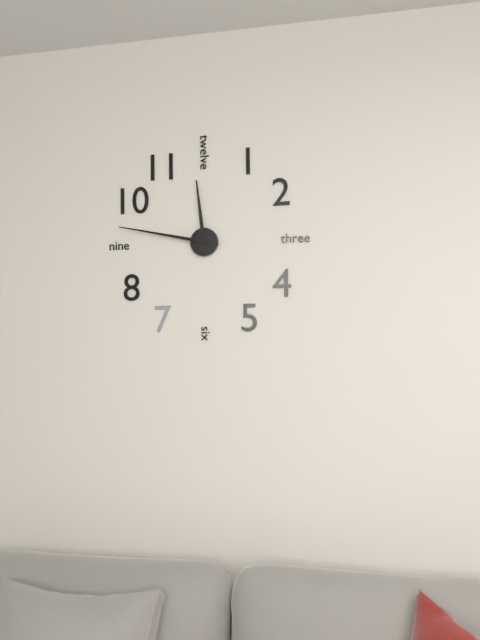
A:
11h47
